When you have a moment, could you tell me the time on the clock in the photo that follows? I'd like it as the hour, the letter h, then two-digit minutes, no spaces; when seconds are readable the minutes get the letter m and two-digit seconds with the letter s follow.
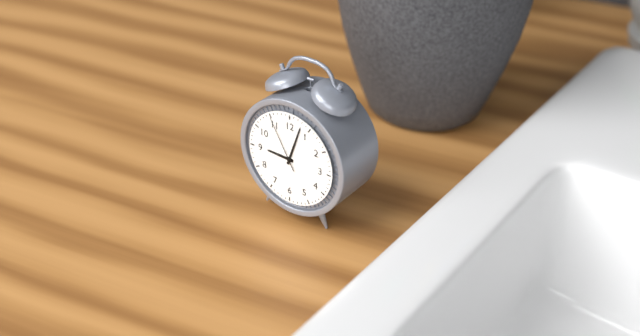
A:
9h03m55s
